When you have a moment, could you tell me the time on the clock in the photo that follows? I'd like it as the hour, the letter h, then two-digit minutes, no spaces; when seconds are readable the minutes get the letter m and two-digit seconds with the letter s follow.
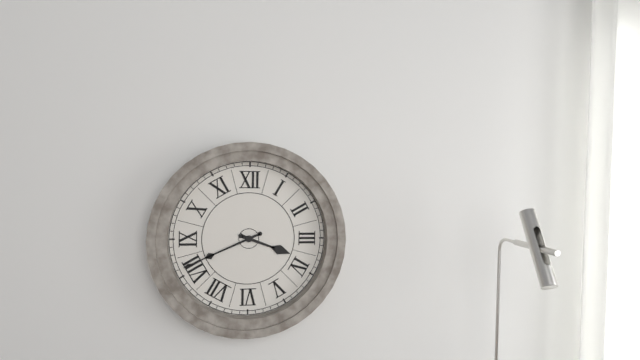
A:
3h41
